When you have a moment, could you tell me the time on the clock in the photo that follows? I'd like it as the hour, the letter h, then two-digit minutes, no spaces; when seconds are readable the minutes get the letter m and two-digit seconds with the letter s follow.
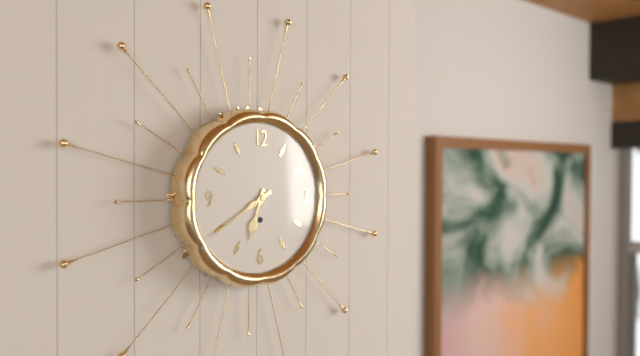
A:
6h40
